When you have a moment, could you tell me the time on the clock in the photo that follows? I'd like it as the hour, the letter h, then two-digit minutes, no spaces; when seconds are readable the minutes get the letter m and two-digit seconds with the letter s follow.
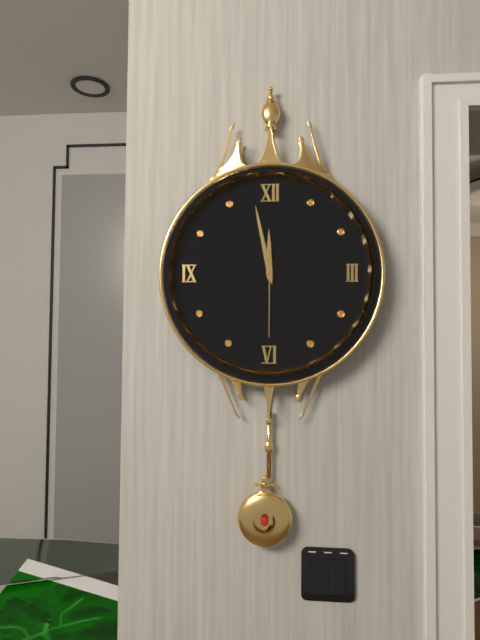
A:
11h58m30s
